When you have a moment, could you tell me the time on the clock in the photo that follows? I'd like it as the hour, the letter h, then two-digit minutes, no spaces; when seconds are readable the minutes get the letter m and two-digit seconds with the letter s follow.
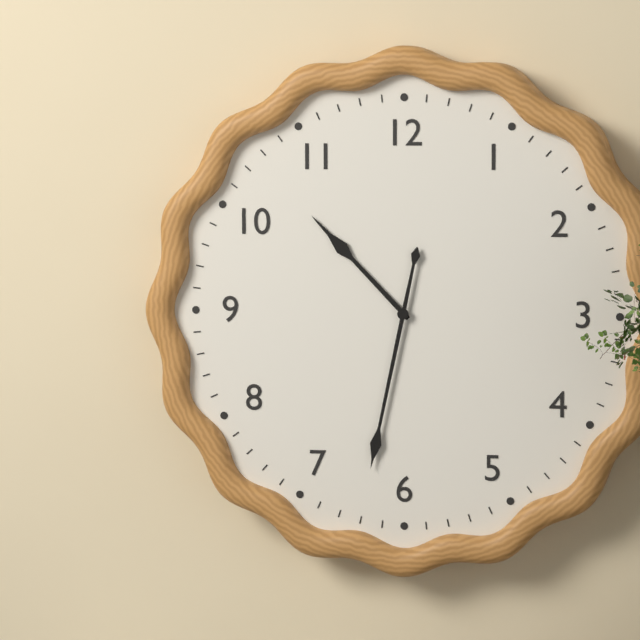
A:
10h32
